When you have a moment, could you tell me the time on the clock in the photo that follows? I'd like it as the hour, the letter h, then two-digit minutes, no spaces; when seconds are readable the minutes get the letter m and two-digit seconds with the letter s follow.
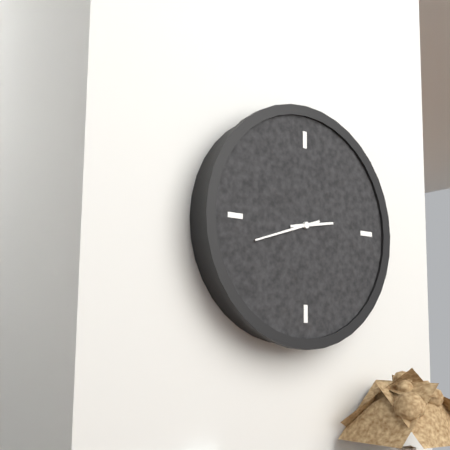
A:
2h42
